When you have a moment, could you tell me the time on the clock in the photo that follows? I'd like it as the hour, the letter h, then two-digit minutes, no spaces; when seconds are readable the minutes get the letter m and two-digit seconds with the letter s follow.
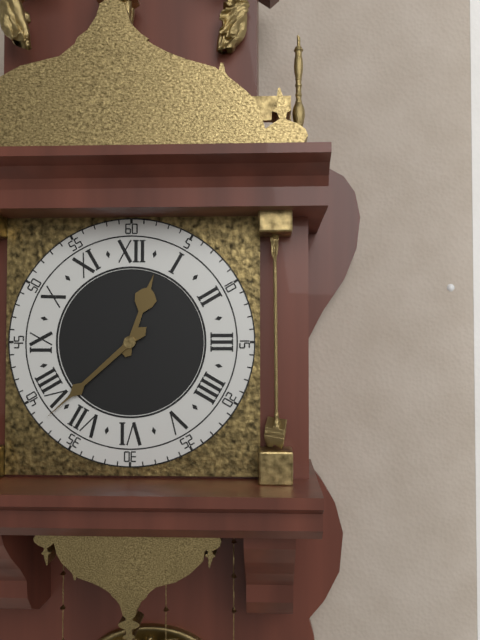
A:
12h38
